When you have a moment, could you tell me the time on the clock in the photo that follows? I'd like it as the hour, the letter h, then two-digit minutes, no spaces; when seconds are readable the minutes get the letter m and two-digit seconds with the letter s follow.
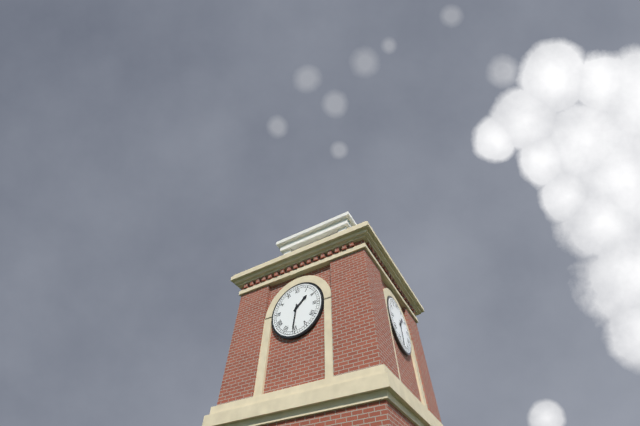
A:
1h31
